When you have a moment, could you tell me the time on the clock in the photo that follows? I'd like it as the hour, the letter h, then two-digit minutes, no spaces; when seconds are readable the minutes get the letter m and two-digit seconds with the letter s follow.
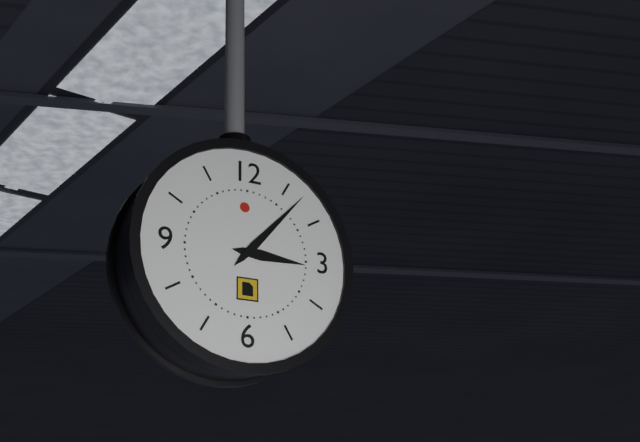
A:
3h07
